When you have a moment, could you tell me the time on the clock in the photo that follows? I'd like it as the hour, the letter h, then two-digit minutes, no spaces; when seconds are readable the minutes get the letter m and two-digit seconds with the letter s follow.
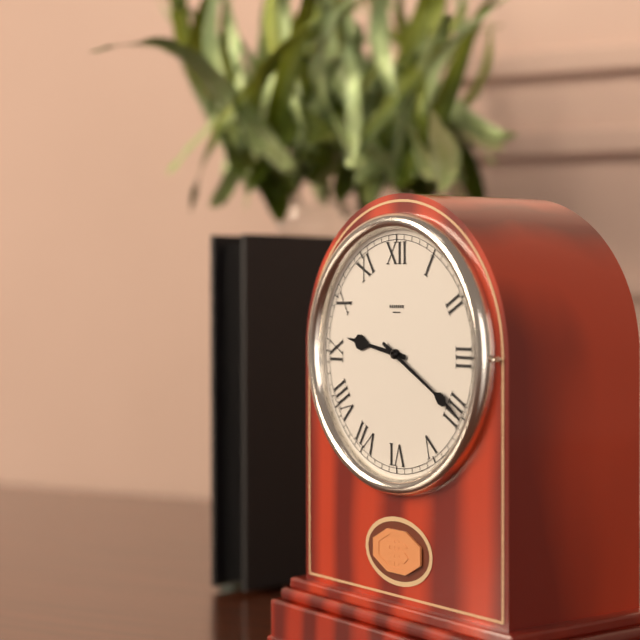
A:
9h20
